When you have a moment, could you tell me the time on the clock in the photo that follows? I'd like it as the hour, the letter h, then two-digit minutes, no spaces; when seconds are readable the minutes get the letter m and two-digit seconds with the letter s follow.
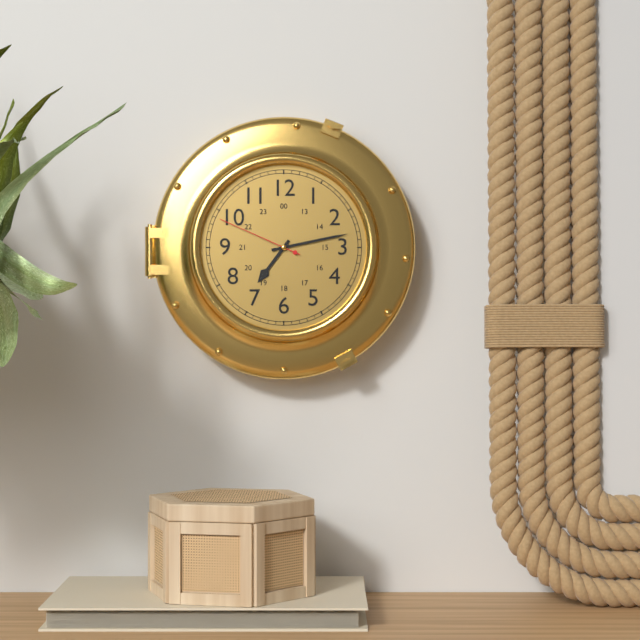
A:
7h13m49s
